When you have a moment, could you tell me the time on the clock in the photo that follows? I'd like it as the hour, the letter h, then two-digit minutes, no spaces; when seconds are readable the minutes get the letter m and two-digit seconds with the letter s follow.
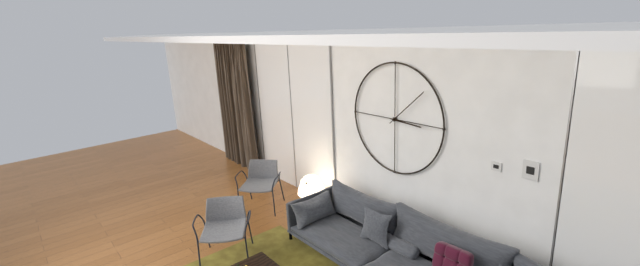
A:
3h08
